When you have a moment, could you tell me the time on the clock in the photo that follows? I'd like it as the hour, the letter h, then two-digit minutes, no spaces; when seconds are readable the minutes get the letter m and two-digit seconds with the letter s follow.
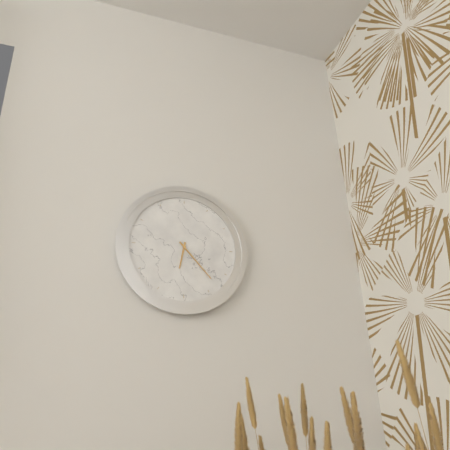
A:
6h23
